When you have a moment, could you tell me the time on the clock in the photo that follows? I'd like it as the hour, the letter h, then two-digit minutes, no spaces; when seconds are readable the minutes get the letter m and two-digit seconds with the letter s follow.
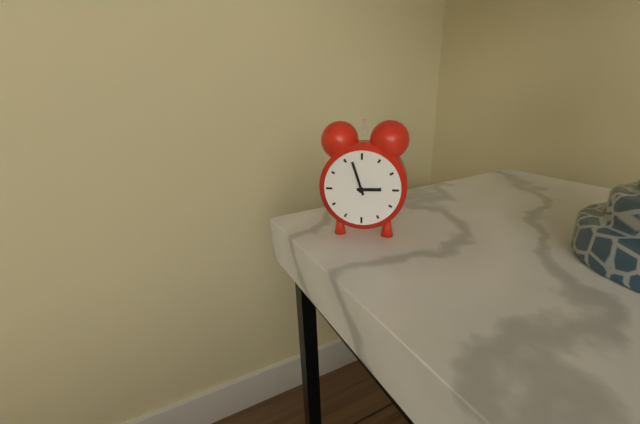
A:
2h57
